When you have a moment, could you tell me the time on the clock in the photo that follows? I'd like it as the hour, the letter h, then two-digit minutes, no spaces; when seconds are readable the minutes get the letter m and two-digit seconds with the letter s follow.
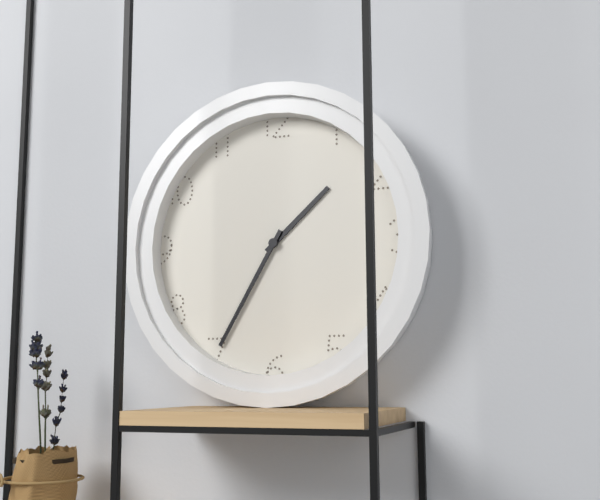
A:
1h35
